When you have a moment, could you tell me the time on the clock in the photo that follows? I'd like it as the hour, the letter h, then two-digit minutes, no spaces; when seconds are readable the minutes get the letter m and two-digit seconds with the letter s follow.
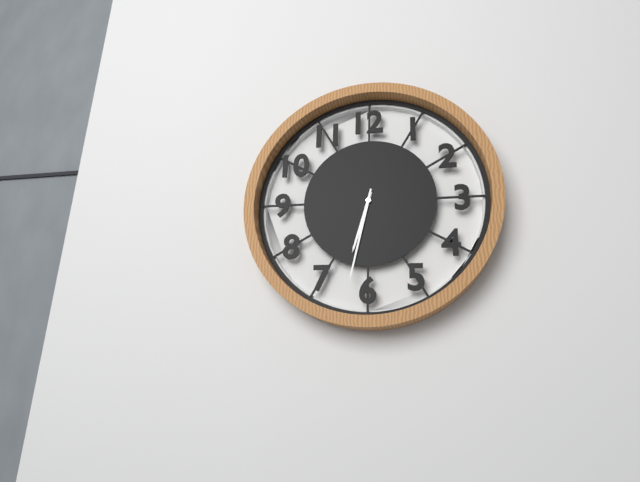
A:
6h32
